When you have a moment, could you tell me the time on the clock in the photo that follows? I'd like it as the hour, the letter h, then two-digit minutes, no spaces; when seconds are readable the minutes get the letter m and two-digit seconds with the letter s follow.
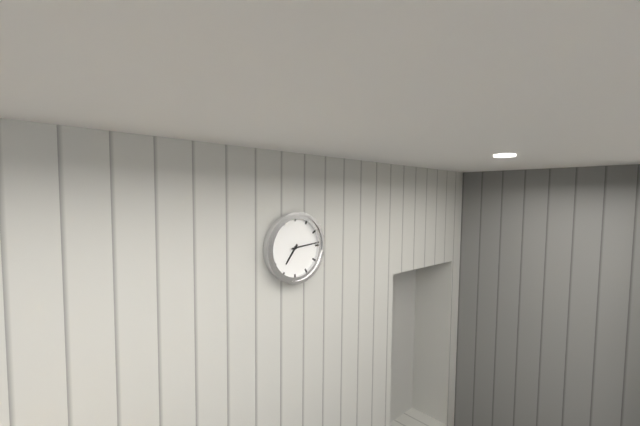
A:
7h14
